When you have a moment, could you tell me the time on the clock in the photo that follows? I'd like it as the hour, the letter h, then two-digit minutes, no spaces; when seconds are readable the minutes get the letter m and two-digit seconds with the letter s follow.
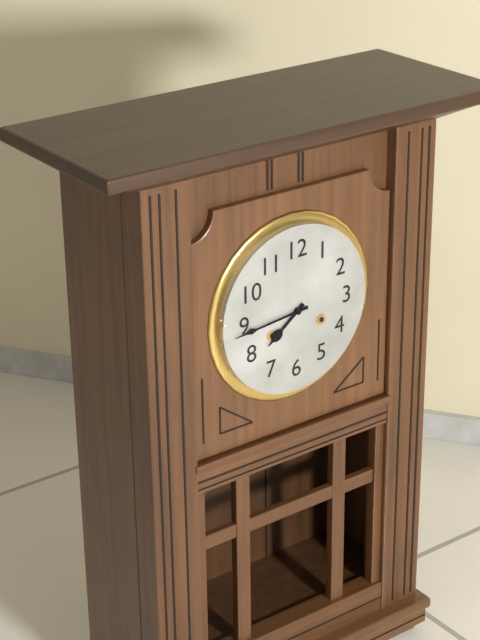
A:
7h44
